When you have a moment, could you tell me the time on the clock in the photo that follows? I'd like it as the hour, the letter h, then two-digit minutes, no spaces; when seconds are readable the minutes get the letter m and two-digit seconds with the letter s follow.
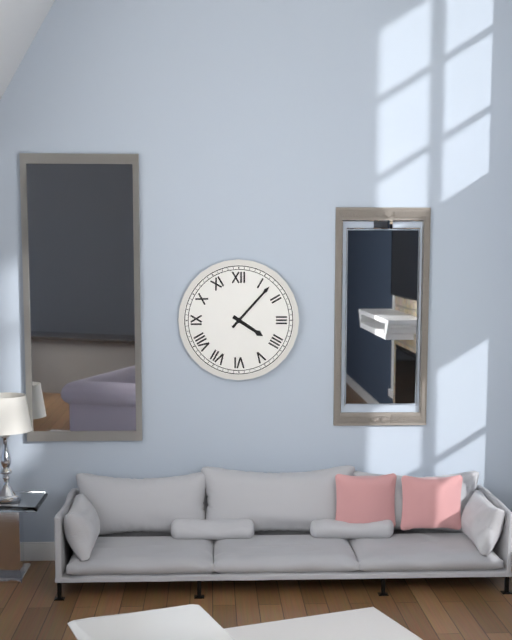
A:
4h07
